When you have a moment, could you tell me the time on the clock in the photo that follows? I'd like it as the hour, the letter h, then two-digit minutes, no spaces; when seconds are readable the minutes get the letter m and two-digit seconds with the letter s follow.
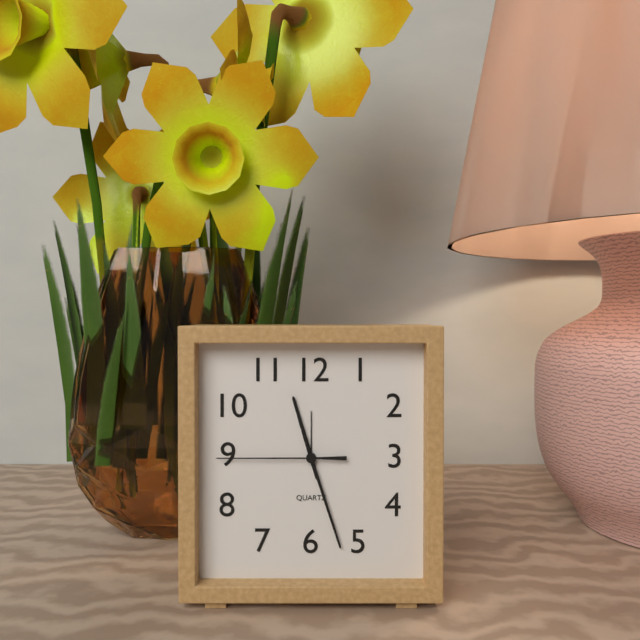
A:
11h27m45s
